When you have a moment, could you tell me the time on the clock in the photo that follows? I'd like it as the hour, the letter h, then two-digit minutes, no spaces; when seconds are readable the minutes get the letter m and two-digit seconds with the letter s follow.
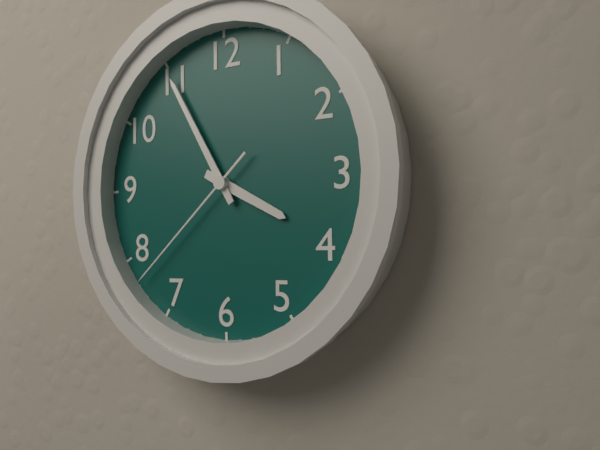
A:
3h55m38s
